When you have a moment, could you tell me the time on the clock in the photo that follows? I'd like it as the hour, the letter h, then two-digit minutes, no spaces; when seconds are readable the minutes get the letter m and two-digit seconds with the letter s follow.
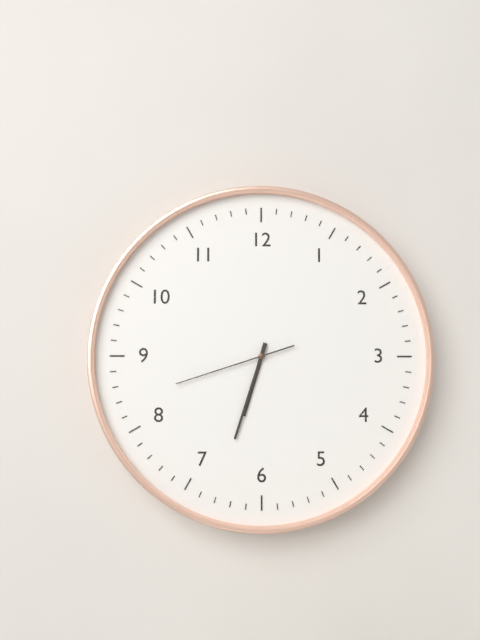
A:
6h33m42s
